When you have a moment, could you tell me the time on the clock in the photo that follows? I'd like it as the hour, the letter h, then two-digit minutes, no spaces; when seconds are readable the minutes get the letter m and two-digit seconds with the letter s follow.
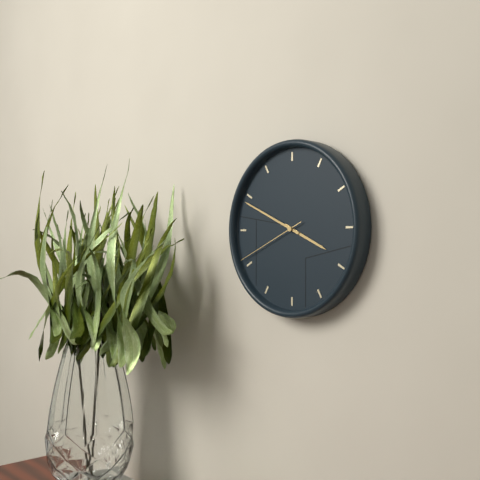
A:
3h49m41s
